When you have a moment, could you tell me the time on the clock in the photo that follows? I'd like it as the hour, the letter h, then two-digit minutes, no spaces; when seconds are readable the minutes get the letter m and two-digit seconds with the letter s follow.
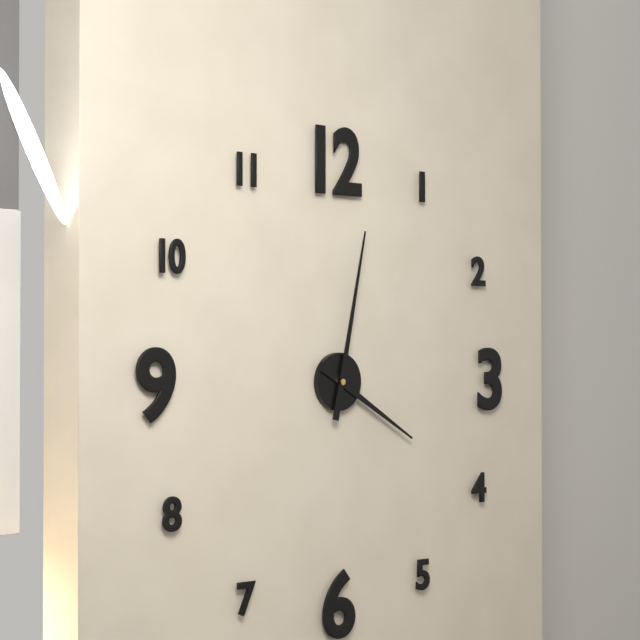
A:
4h02
